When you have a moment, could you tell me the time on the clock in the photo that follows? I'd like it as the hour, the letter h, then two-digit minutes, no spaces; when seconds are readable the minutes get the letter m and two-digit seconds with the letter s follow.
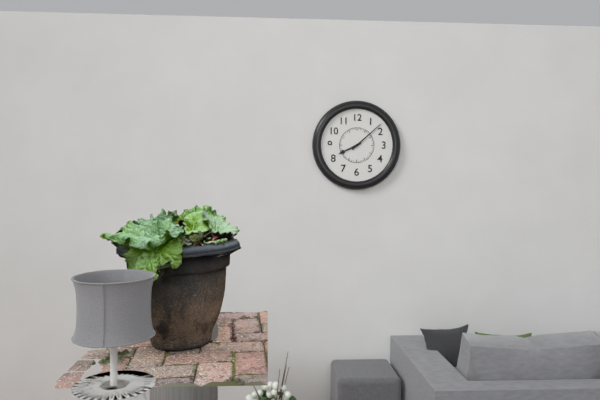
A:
8h08
